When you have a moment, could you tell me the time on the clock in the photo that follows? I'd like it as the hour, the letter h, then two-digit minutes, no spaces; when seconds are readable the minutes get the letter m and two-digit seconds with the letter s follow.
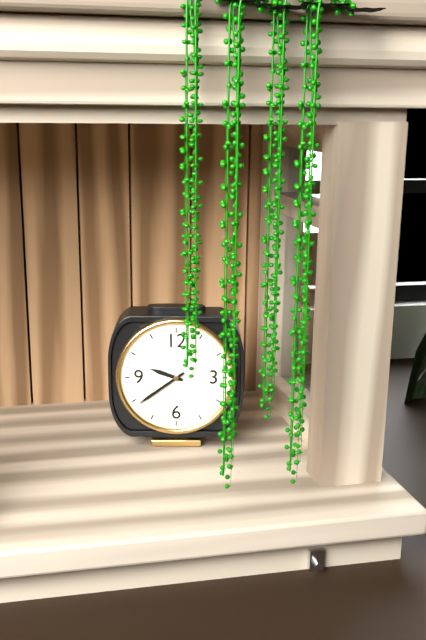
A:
9h39
